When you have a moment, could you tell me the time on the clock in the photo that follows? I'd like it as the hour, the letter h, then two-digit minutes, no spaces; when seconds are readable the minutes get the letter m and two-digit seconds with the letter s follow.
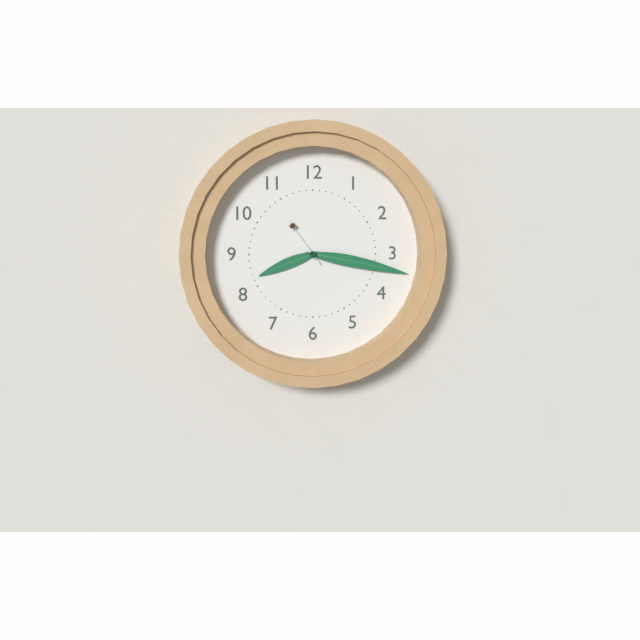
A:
8h17m54s
